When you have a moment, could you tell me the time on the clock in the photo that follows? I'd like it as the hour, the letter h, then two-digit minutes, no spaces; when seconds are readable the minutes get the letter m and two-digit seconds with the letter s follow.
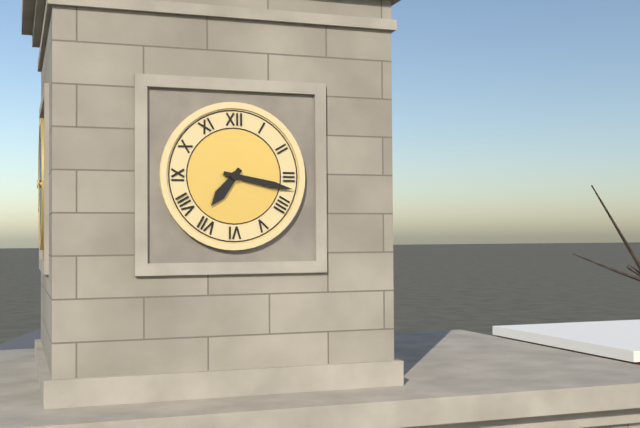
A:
7h17
